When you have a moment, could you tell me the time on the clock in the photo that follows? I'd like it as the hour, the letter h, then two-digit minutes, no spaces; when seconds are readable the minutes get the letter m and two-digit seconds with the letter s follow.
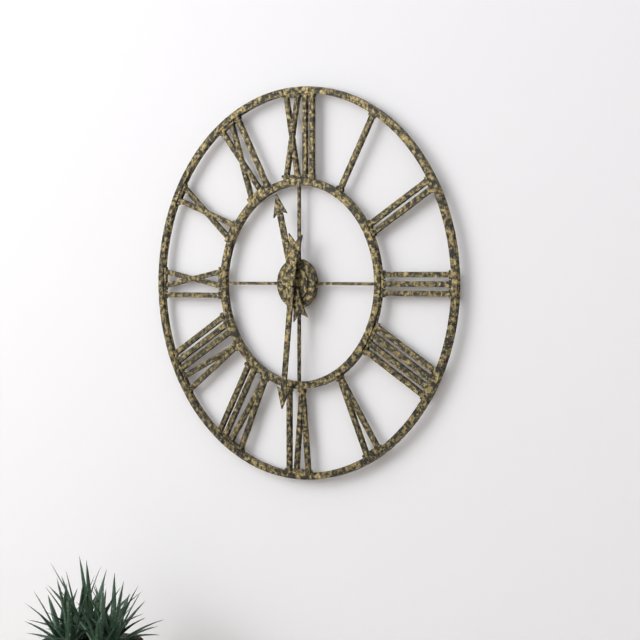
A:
11h31
